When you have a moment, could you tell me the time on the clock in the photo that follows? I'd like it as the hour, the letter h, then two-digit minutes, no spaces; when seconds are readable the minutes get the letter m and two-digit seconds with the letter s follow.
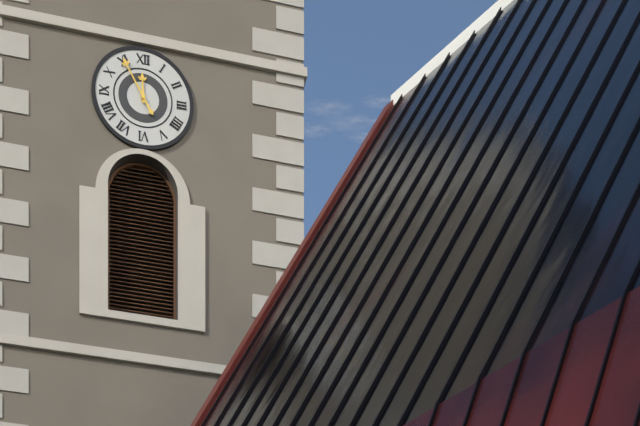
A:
11h55
